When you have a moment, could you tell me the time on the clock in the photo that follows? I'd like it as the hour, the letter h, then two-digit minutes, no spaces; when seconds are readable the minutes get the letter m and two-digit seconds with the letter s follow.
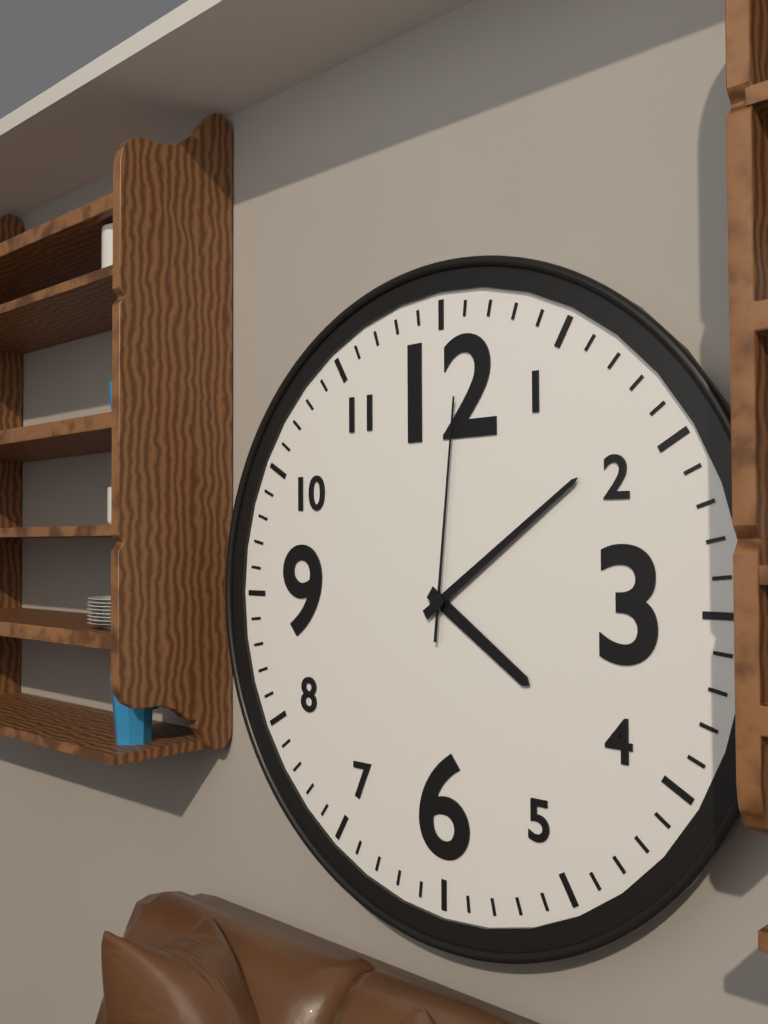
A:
4h09m01s
